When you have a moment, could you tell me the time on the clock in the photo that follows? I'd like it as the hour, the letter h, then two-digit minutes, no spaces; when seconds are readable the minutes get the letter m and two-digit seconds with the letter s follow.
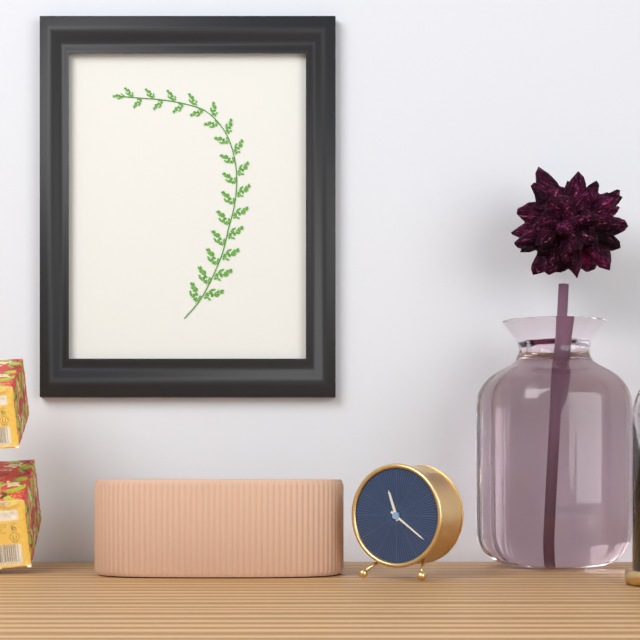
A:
11h21
